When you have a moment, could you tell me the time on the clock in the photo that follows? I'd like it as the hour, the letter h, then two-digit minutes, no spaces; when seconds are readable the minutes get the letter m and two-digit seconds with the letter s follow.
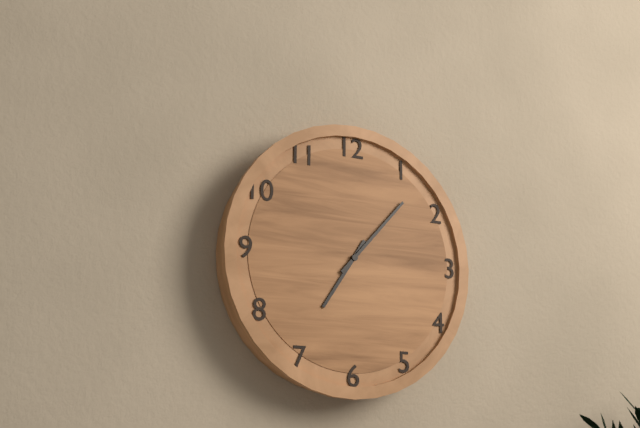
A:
7h07
